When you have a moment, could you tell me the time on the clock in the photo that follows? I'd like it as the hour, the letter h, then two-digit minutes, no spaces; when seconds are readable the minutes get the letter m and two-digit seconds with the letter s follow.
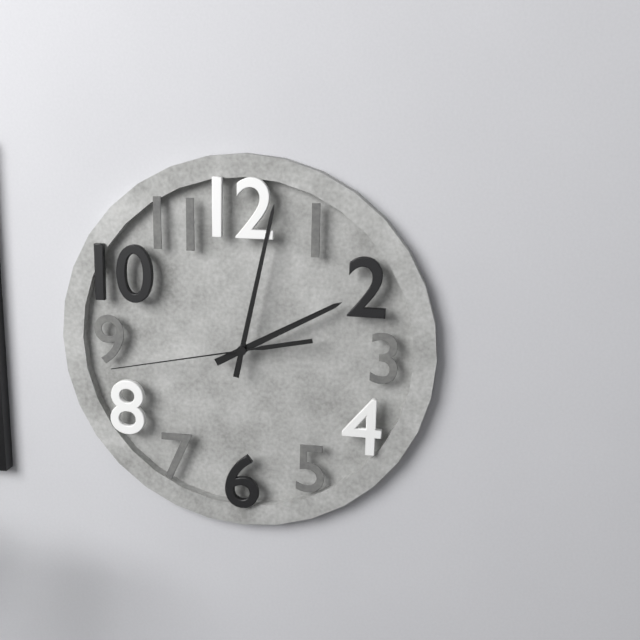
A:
2h02m43s
